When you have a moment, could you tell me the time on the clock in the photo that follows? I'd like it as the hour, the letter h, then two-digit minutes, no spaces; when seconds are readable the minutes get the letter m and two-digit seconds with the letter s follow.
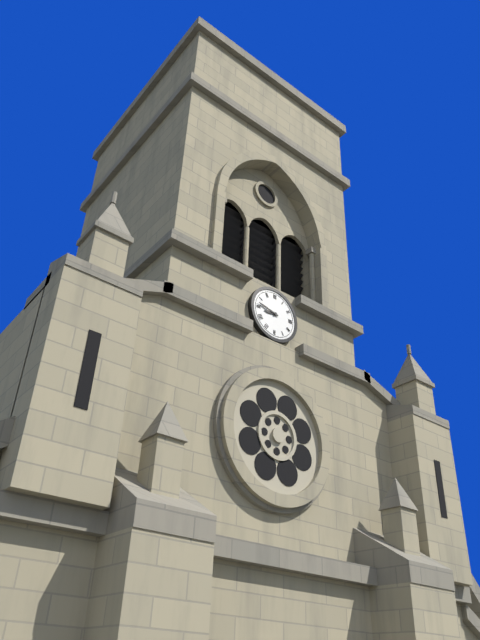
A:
8h47
